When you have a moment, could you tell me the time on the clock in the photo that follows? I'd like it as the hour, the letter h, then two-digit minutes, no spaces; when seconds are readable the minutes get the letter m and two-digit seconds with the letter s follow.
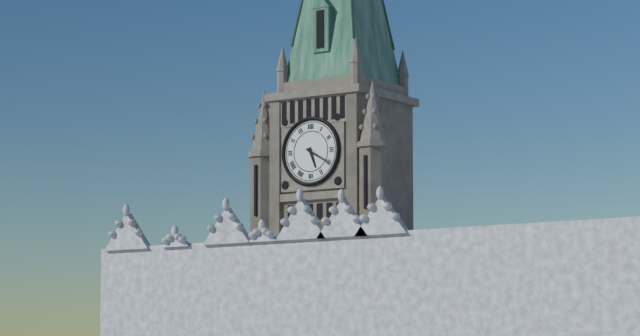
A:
5h20
